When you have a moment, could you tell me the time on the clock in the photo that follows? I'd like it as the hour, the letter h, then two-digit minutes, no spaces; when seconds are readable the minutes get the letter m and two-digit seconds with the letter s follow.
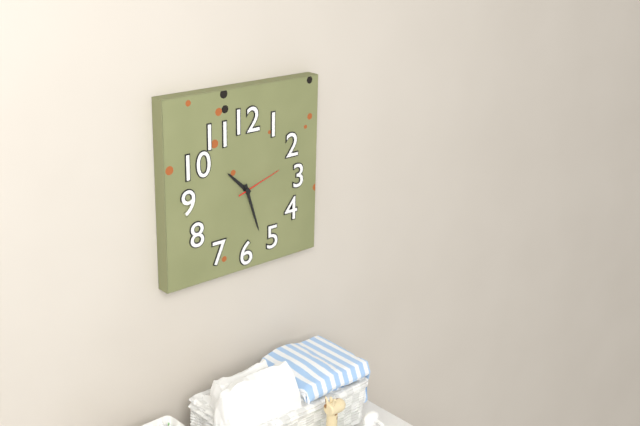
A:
10h27
